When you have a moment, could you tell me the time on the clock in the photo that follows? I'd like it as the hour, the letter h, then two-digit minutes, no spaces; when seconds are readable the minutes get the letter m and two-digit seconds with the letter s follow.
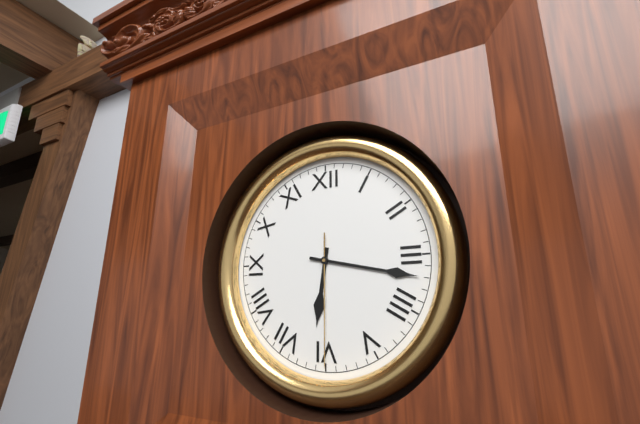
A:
6h17m30s
